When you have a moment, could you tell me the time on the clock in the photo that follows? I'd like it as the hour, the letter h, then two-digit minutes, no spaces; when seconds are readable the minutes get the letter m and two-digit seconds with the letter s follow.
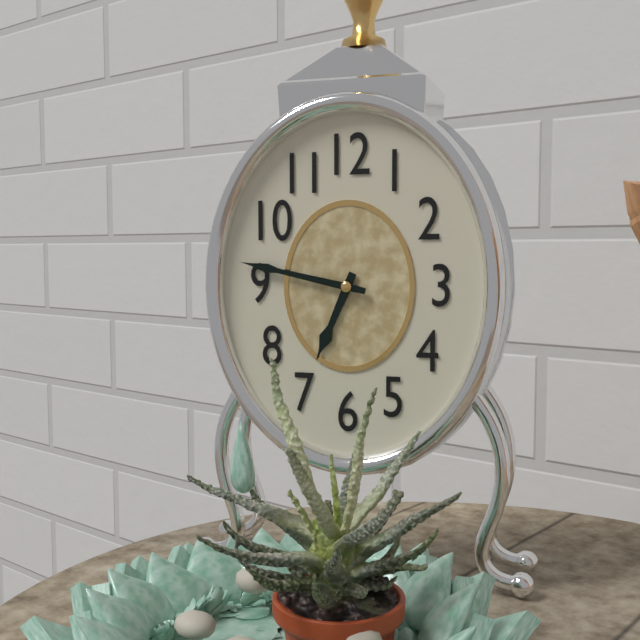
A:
6h47
